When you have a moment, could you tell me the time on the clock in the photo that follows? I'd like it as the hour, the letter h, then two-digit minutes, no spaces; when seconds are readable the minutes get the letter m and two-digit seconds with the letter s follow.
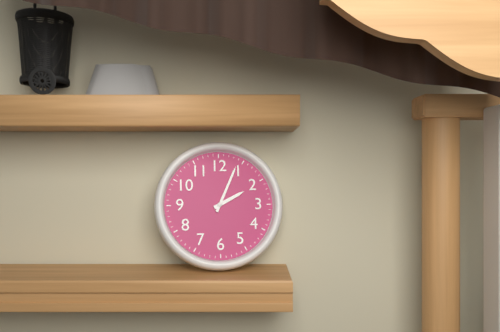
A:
2h04
